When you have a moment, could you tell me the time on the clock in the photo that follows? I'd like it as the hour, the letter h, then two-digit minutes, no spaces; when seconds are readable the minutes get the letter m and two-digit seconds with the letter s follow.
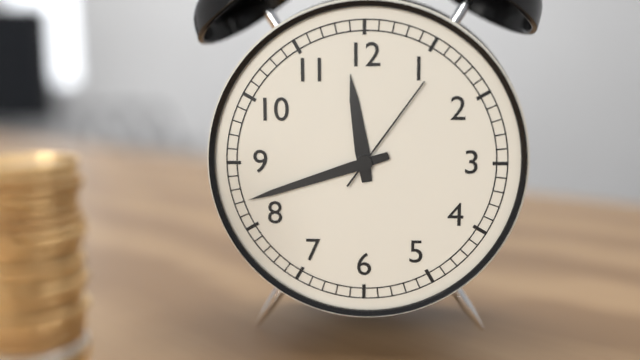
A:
11h42m06s
